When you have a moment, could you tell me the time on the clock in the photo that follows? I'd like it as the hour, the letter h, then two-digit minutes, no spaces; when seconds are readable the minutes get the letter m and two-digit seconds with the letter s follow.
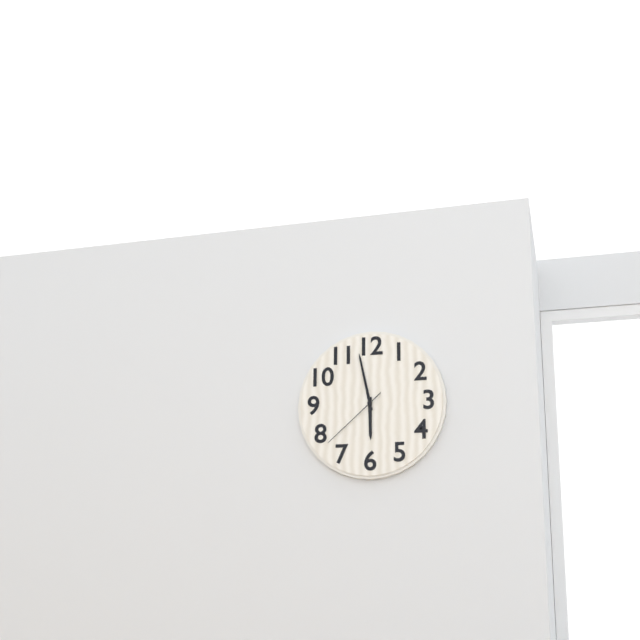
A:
5h58m38s
